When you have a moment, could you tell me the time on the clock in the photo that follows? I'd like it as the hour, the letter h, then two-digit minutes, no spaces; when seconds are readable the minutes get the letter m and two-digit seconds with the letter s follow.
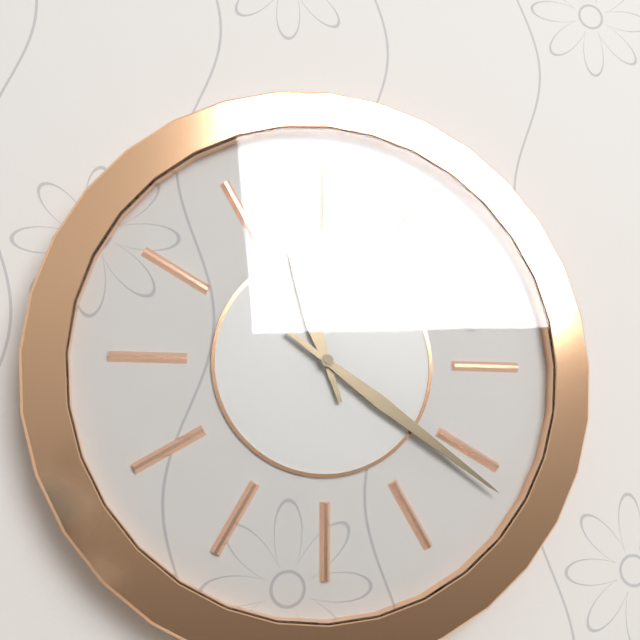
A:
11h21
